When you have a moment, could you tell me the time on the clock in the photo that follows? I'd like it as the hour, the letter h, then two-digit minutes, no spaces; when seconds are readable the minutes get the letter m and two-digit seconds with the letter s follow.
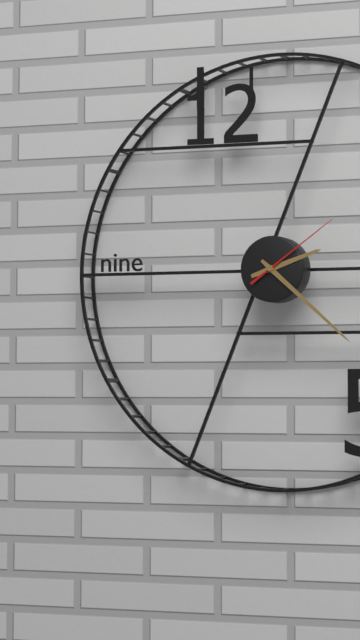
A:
2h22m09s
